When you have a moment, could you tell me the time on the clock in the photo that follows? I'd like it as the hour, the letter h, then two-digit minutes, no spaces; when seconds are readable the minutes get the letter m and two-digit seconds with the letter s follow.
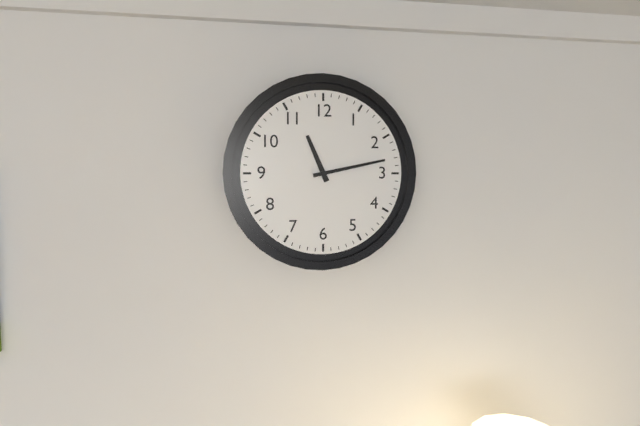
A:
11h13
